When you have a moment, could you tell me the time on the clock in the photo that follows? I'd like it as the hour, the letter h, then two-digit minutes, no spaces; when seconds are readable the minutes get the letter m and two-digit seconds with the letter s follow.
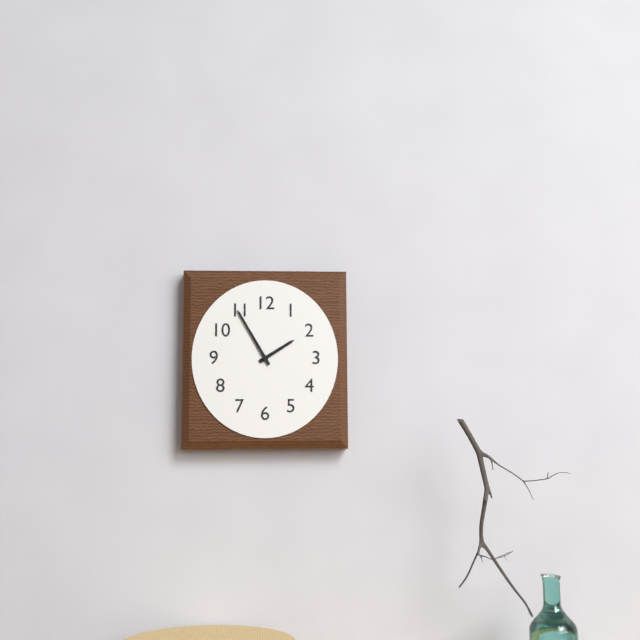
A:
1h55
